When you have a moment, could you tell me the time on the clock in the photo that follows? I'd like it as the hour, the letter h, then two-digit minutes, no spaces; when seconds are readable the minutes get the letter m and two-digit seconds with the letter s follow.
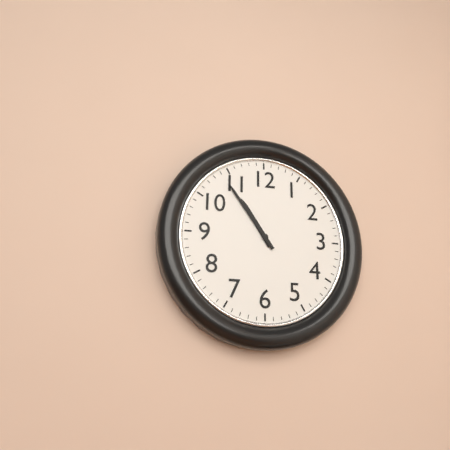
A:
10h54
